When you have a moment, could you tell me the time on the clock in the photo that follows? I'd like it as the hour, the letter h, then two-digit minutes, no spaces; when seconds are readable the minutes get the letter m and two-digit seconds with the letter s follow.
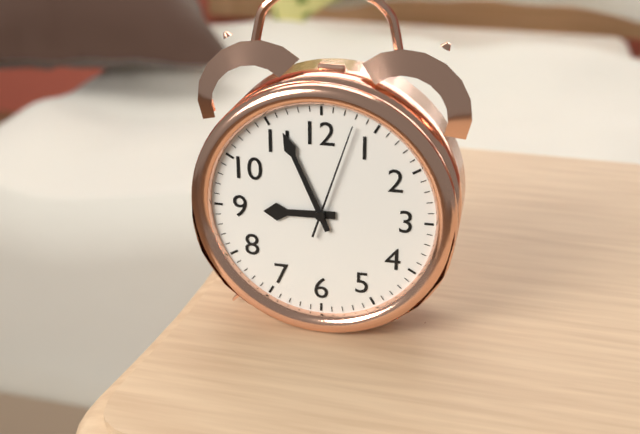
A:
8h56m03s
